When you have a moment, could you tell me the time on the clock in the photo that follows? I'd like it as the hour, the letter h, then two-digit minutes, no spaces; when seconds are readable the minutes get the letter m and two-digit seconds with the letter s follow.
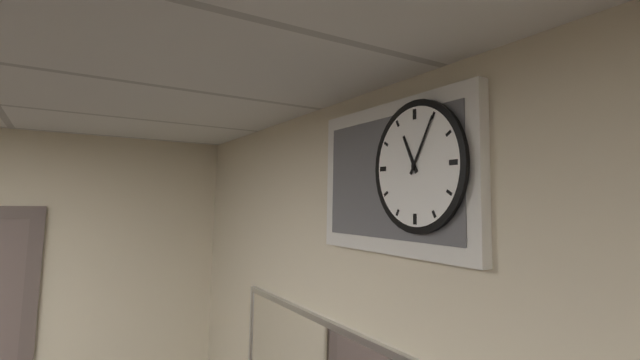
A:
11h05
